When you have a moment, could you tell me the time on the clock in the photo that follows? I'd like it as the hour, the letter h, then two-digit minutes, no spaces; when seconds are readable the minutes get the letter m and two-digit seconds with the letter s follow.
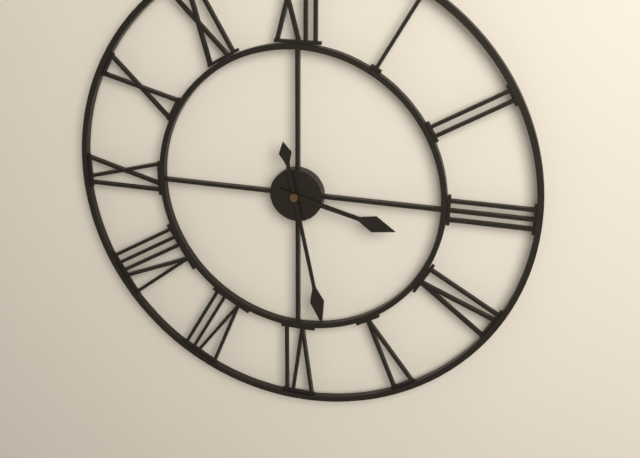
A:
3h28
